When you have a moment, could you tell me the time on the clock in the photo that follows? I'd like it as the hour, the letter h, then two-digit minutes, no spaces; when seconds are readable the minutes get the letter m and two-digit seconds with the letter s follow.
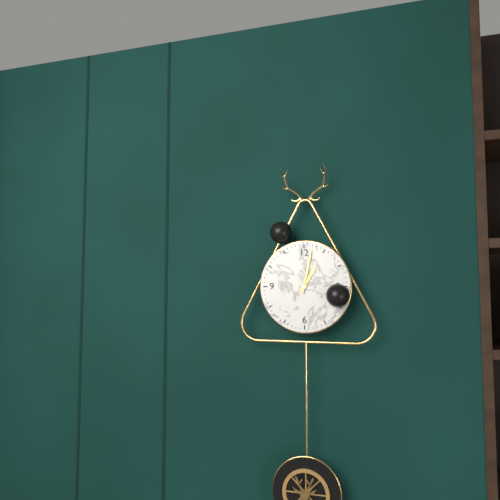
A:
1h02
